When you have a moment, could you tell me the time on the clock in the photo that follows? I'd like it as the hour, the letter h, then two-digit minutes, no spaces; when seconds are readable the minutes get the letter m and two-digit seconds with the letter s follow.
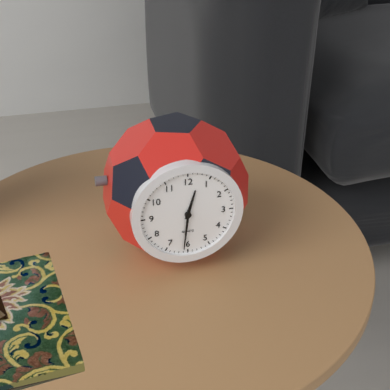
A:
12h31
